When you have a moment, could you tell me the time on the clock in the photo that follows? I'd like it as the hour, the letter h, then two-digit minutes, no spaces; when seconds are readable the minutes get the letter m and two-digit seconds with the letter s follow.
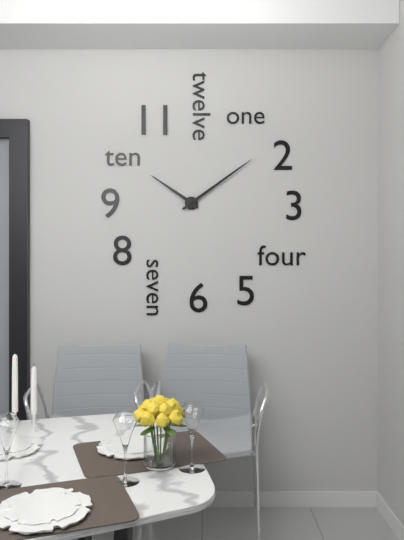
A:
10h09
